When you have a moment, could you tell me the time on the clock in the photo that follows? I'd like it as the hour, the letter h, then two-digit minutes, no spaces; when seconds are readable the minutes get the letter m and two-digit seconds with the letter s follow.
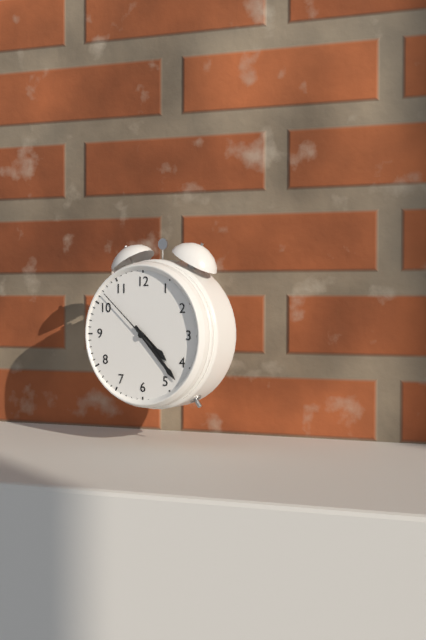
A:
4h23m52s
